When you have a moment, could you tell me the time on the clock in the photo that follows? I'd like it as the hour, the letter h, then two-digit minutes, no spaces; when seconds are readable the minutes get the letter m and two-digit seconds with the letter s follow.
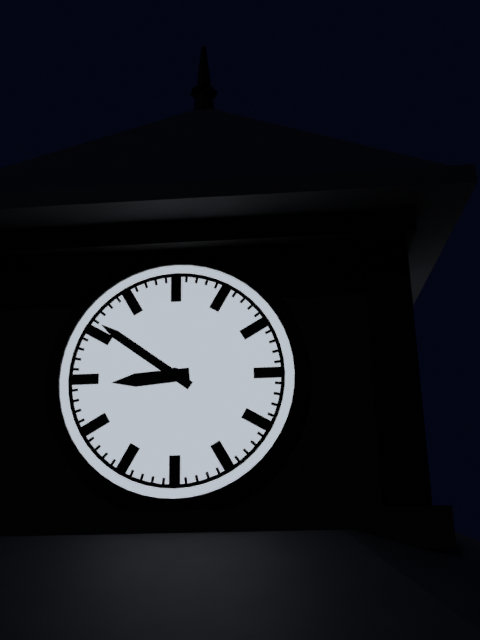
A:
8h51
